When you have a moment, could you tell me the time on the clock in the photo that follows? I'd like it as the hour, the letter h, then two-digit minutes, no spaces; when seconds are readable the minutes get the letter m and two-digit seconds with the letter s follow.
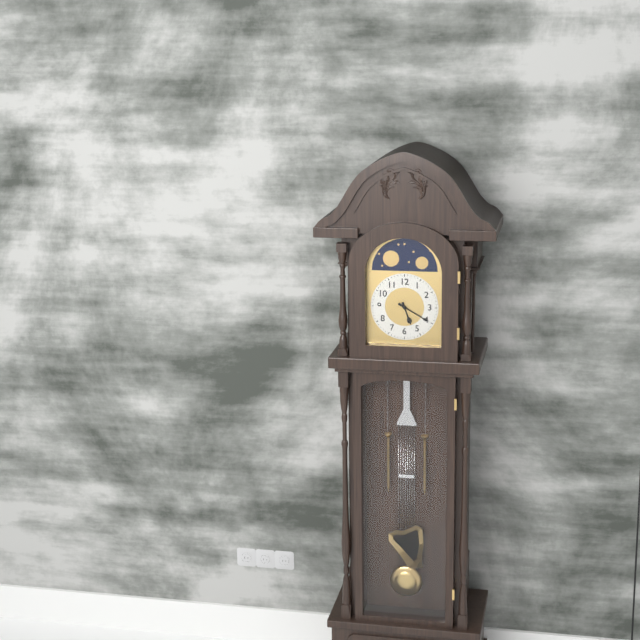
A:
5h20
